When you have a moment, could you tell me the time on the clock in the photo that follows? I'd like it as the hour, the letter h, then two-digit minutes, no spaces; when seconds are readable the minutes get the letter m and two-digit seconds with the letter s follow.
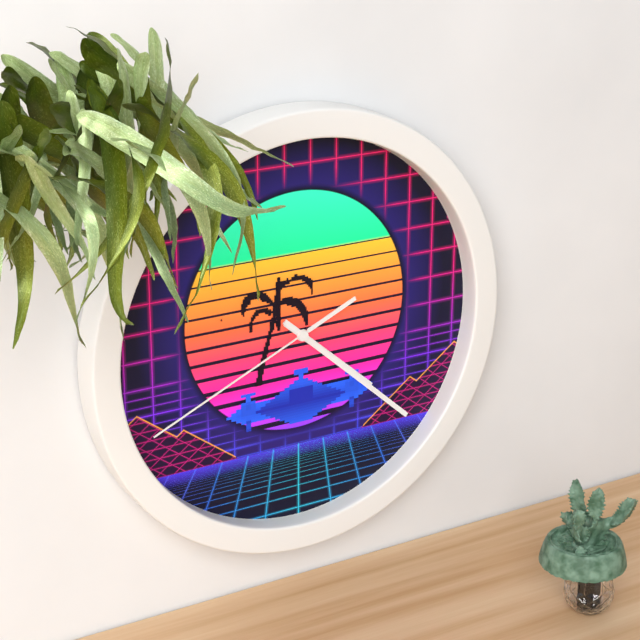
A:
4h22m41s
